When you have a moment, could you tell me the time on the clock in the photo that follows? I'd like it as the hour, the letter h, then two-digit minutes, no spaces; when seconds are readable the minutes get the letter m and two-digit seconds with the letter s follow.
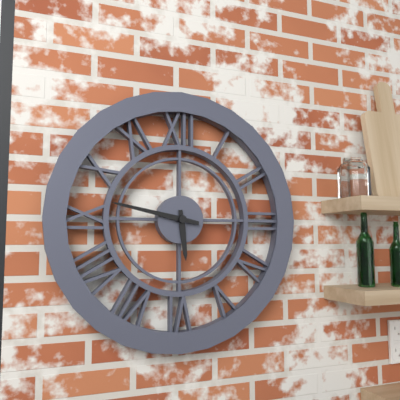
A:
5h47
